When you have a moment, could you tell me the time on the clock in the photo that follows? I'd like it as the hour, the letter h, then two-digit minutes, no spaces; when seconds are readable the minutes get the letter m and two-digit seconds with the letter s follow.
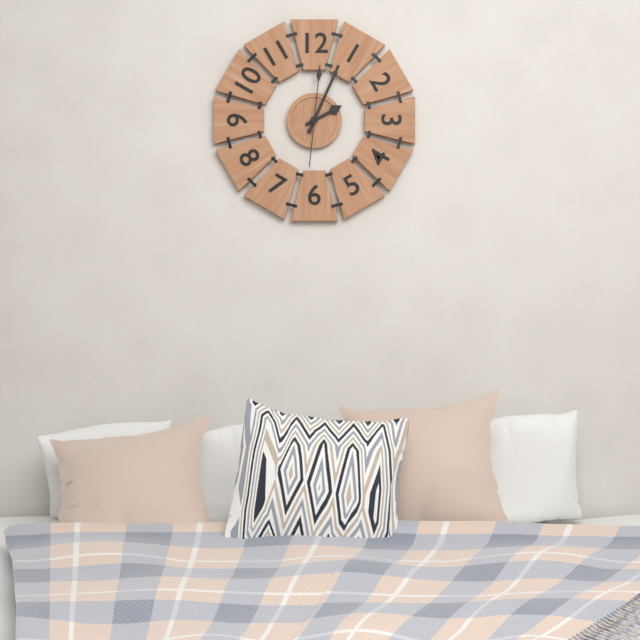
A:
2h04m01s
